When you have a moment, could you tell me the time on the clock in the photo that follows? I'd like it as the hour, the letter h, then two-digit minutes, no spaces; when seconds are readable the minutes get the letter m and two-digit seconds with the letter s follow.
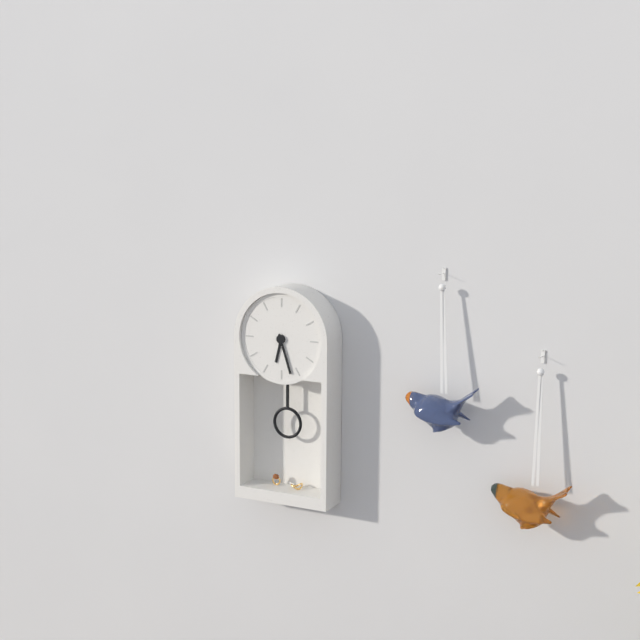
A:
6h27
